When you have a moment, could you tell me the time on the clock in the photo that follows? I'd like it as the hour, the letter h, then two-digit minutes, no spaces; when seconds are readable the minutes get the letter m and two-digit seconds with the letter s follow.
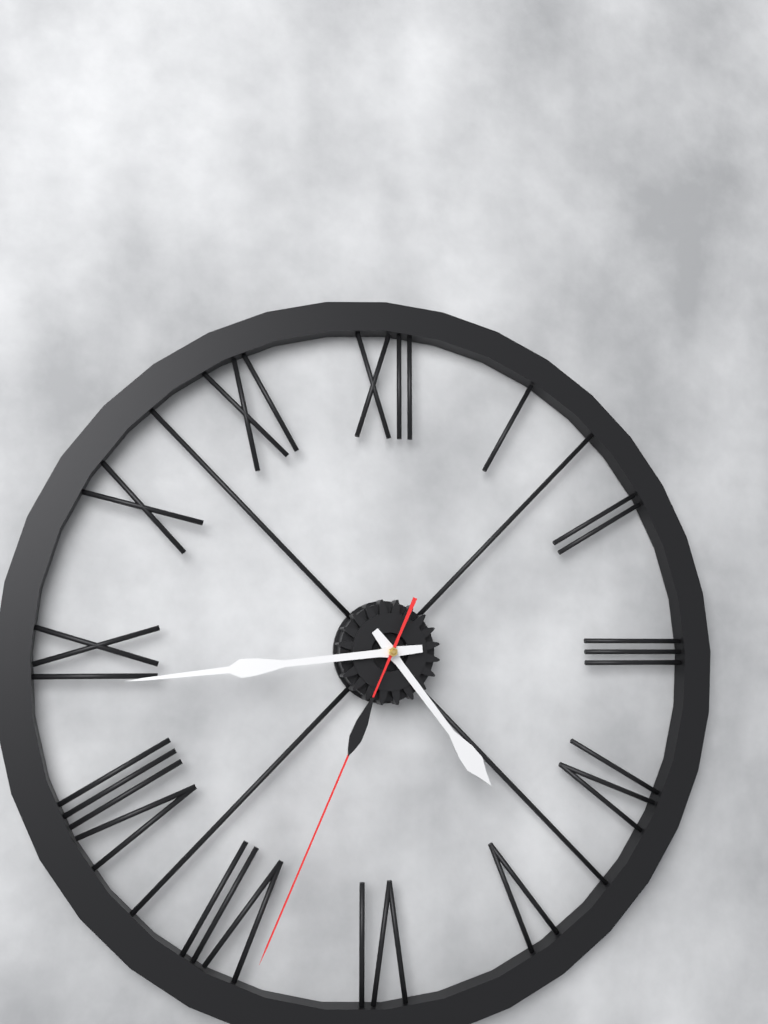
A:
4h44m34s
